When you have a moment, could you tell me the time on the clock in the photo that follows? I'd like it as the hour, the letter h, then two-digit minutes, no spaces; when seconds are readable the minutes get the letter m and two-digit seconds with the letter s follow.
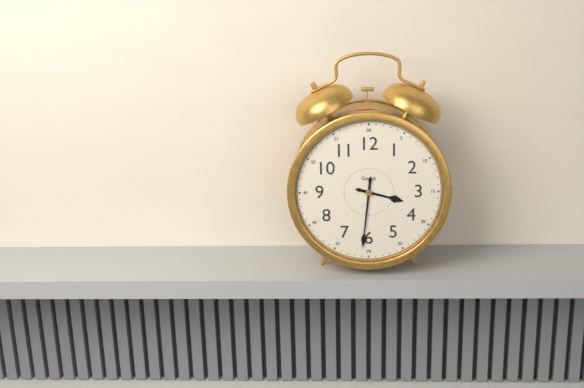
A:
3h31
